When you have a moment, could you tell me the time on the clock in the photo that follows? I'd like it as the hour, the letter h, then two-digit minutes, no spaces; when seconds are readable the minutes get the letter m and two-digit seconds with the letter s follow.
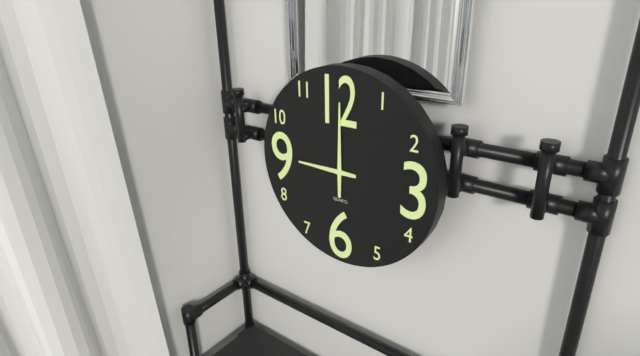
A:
9h00
